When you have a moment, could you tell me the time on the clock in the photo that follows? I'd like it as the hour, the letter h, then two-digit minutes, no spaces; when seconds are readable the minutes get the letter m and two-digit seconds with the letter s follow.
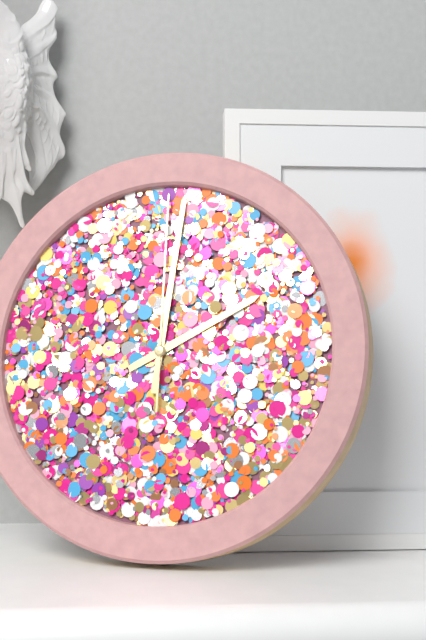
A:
2h01m00s
